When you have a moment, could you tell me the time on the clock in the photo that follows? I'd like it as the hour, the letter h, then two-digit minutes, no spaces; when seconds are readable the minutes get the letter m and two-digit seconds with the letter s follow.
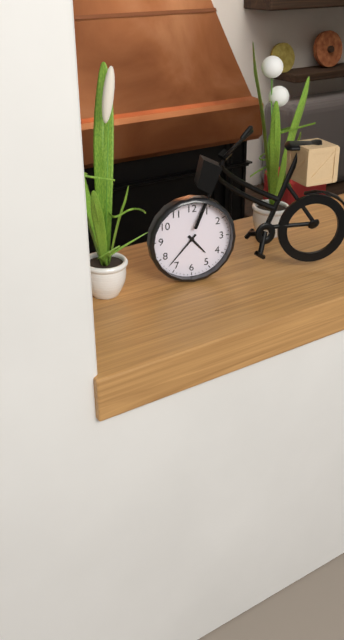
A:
4h37
